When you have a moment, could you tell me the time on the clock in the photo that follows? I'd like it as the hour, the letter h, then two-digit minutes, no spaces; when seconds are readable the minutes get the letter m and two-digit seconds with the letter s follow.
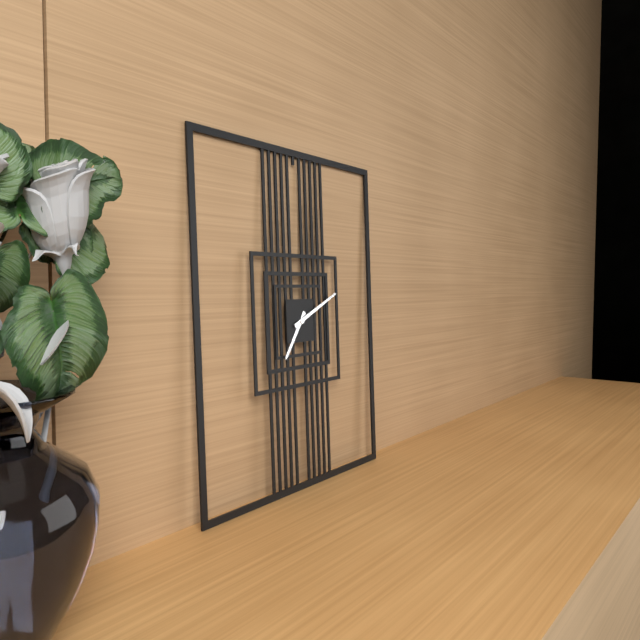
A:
7h11
